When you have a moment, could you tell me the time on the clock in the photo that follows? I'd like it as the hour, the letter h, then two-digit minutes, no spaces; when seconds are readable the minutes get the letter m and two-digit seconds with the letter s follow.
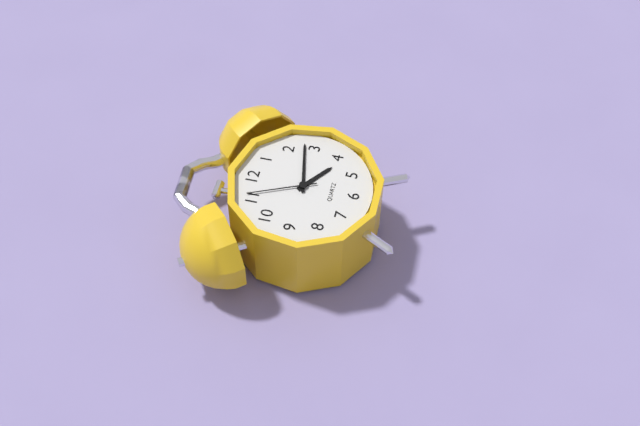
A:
4h13m56s
